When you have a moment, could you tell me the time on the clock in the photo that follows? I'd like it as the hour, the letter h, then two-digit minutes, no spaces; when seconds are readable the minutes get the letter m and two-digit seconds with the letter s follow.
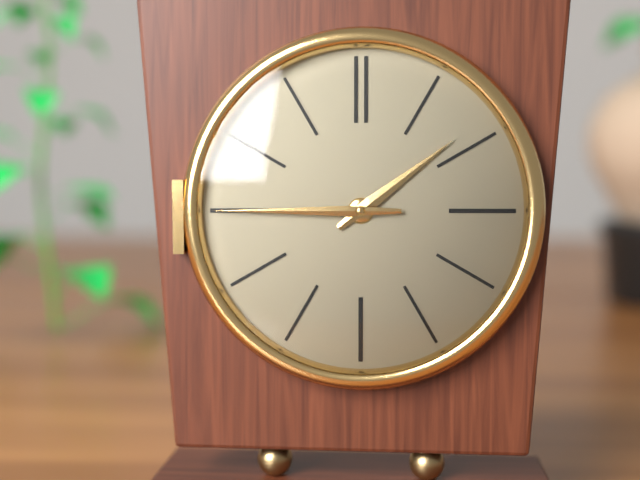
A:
1h45
